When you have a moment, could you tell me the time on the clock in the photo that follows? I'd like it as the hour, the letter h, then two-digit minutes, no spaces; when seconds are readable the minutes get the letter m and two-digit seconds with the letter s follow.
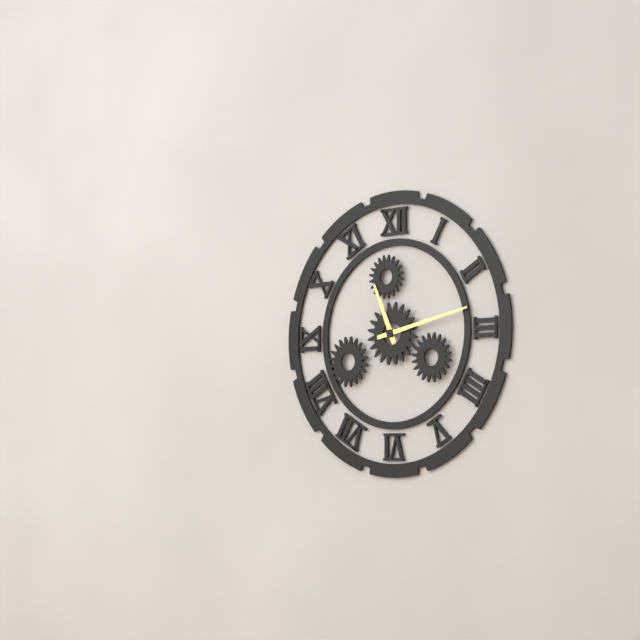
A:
11h13
